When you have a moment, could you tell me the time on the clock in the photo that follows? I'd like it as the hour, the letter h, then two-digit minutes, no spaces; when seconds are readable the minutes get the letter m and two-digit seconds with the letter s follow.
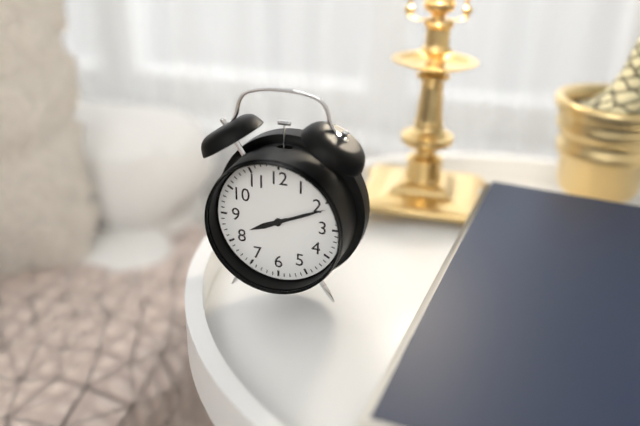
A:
8h11
